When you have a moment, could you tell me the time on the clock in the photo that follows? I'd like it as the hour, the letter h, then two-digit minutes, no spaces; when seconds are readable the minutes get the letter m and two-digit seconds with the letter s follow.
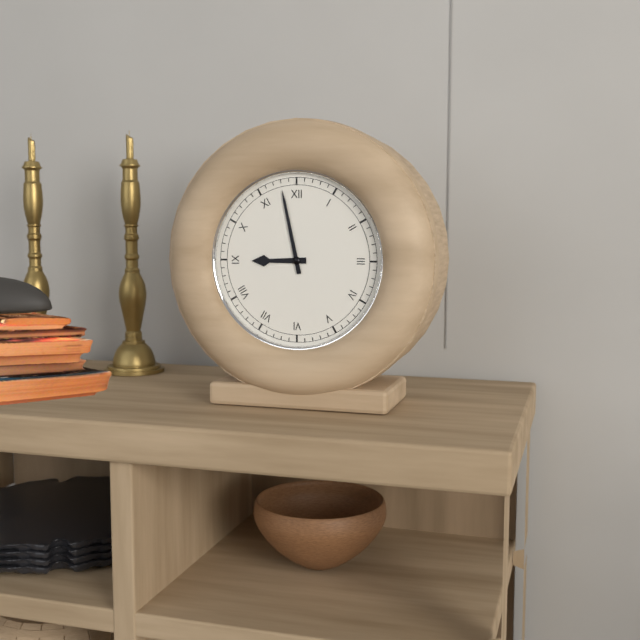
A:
8h58
